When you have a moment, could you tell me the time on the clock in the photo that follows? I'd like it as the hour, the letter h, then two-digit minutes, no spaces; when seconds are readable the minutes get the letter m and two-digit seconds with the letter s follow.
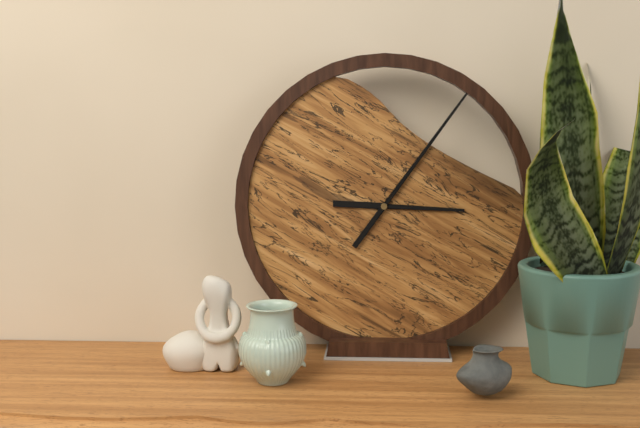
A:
3h06
